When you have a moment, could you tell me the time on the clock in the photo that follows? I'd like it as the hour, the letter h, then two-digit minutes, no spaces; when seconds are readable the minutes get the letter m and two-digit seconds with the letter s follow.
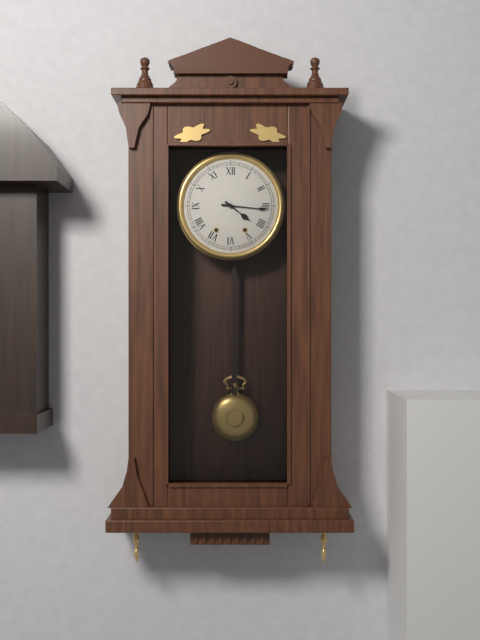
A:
4h16
